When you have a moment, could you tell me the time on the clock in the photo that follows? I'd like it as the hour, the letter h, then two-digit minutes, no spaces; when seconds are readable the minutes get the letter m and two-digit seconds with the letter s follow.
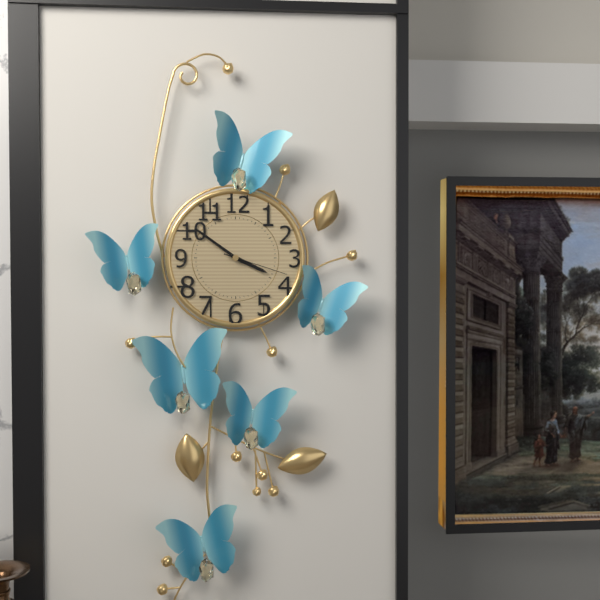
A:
3h51m18s
